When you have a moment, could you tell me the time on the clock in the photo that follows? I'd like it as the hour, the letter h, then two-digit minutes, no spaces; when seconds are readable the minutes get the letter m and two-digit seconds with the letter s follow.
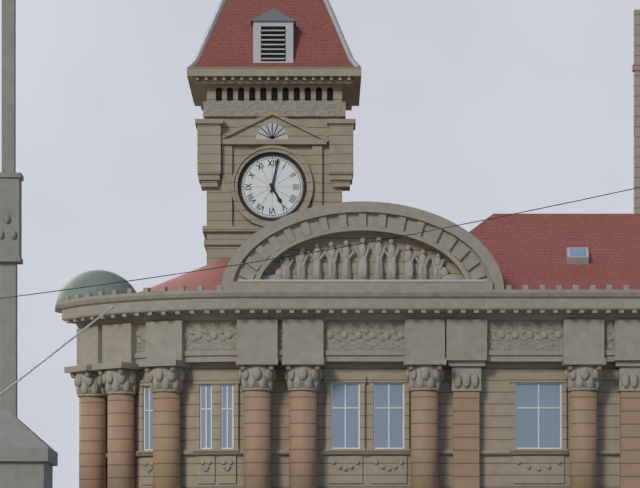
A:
5h02
